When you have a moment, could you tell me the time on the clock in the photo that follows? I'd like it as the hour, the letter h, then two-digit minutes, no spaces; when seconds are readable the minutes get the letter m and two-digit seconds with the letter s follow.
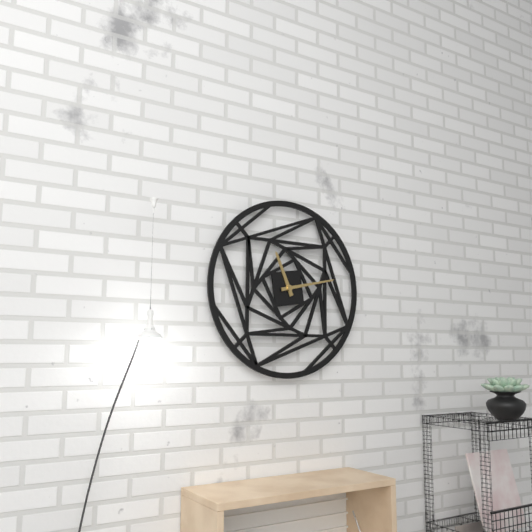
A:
11h13
